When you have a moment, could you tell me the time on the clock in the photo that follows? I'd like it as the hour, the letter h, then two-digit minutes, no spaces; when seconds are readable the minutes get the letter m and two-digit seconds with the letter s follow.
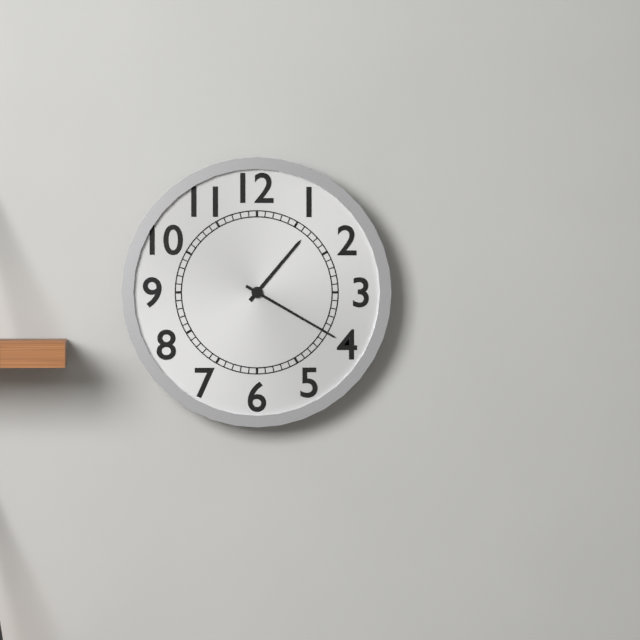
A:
1h20
